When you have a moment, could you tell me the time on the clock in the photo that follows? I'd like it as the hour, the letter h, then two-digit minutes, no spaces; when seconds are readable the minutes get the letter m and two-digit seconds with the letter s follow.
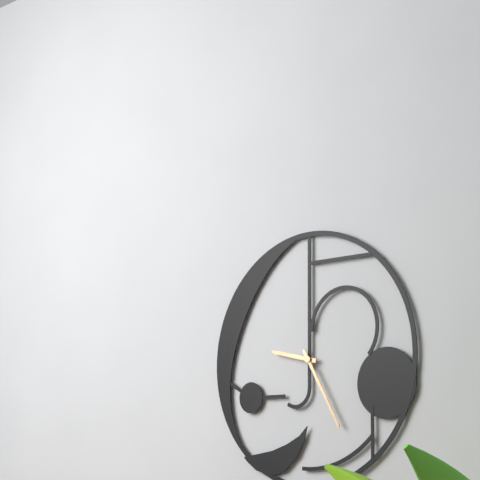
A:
9h25
